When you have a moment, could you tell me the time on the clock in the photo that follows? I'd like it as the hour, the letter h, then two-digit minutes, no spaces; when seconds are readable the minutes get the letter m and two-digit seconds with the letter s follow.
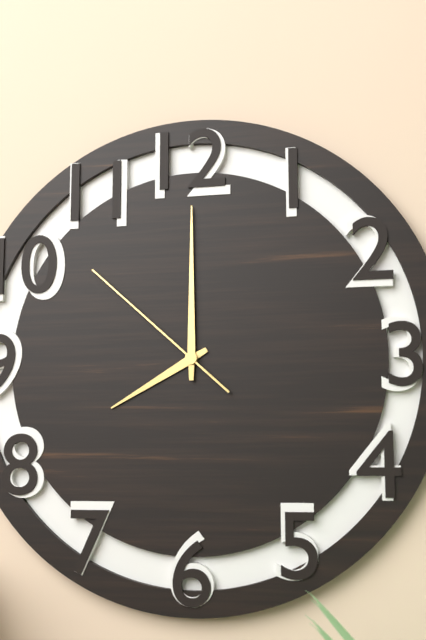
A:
8h00m52s
